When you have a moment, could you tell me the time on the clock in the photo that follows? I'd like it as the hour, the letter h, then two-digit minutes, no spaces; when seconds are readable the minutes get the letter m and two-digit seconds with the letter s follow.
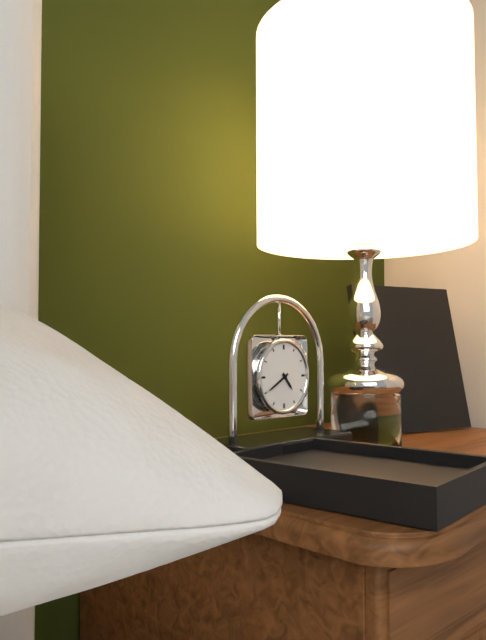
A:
4h40
